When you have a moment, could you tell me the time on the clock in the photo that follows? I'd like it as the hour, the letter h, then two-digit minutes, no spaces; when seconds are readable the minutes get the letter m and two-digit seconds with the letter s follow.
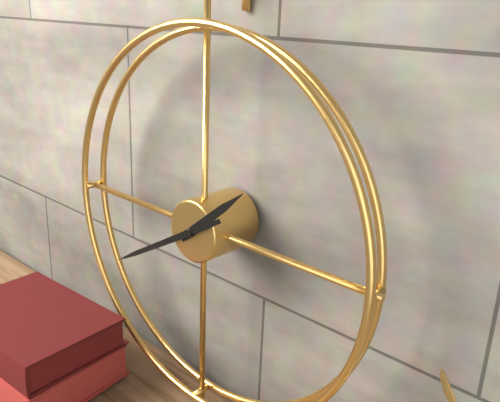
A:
1h40
